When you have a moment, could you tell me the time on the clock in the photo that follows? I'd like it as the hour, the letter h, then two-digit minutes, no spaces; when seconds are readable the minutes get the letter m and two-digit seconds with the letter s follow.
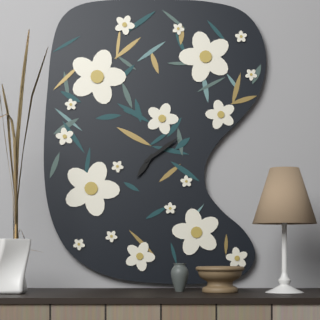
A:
7h09
